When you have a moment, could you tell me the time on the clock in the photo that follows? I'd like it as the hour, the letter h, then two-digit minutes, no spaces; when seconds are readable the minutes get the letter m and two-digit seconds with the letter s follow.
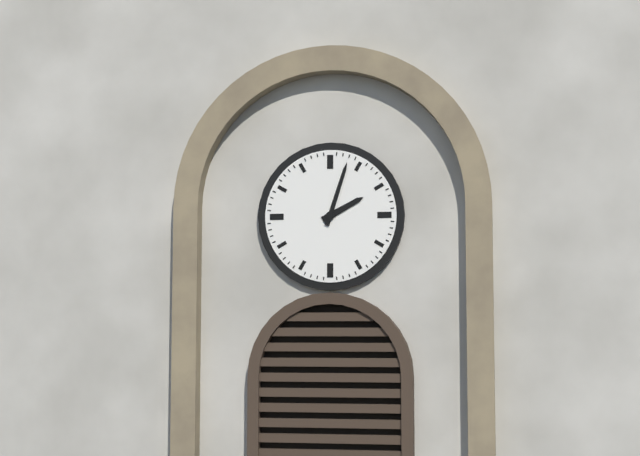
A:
2h03
